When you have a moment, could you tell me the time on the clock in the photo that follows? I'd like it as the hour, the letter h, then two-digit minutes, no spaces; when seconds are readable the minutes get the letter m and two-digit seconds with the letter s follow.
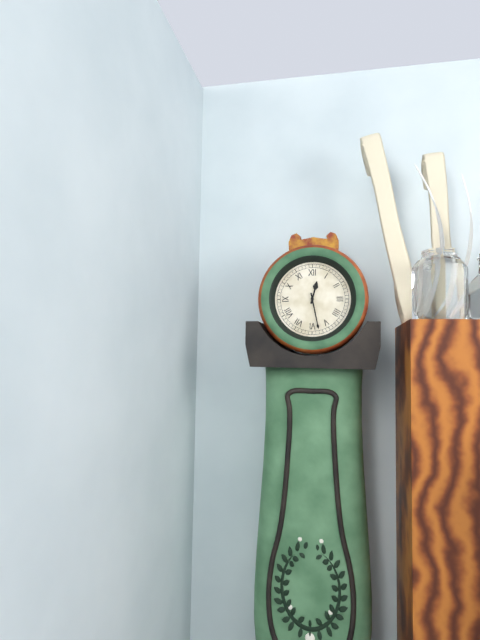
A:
12h28
